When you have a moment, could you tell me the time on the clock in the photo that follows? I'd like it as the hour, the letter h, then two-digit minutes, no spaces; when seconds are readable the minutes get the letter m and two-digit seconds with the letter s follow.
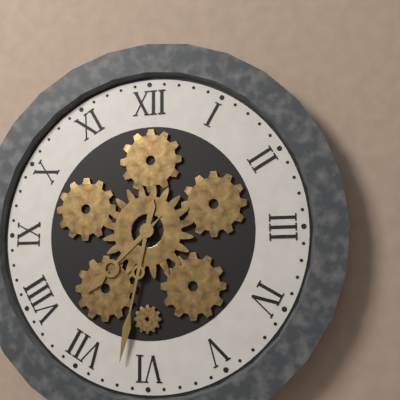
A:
7h32
